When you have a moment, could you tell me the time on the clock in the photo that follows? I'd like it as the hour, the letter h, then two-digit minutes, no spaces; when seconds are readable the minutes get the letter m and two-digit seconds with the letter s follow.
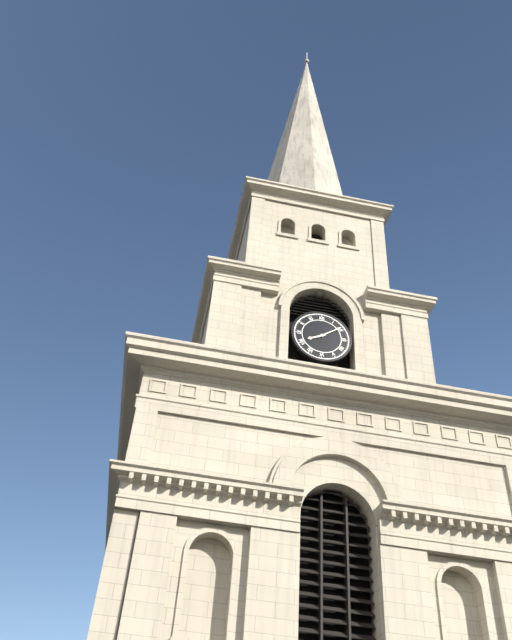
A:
8h09
